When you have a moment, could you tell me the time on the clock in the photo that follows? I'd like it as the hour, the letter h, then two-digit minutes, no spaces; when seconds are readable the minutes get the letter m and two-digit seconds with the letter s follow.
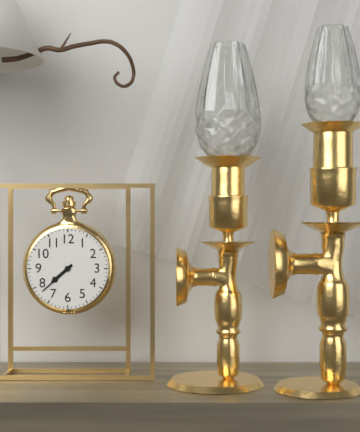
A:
7h38
